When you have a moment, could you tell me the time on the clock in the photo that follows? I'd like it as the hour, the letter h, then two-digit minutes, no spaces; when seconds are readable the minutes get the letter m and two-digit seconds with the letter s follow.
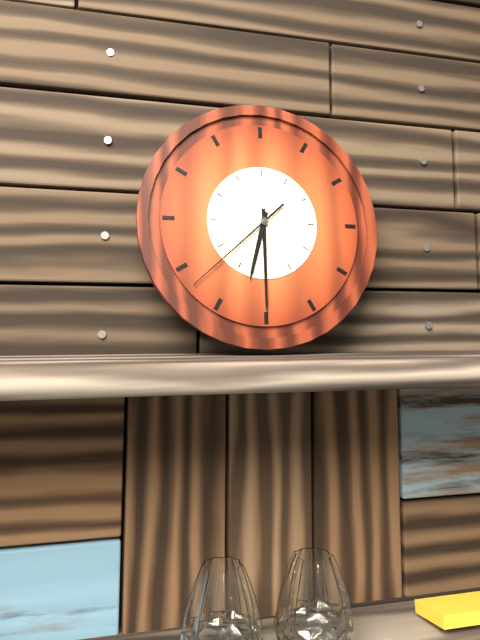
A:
6h30m38s
